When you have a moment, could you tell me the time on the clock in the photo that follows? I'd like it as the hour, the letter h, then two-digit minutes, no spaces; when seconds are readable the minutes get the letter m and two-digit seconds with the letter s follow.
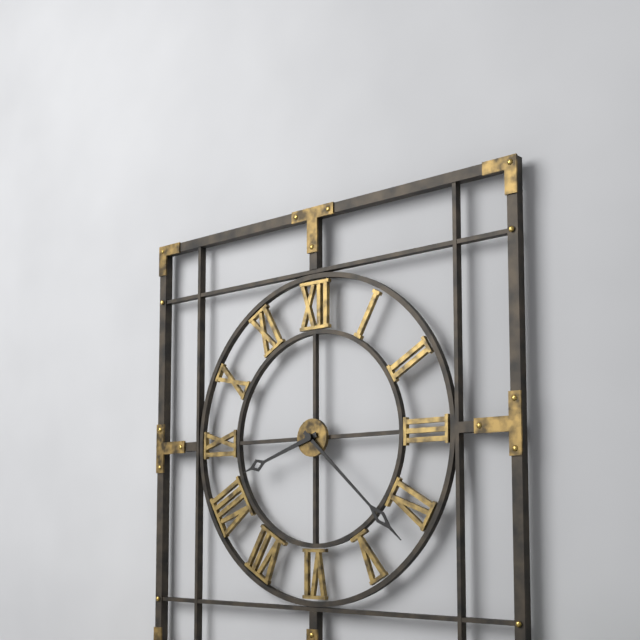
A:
8h22
